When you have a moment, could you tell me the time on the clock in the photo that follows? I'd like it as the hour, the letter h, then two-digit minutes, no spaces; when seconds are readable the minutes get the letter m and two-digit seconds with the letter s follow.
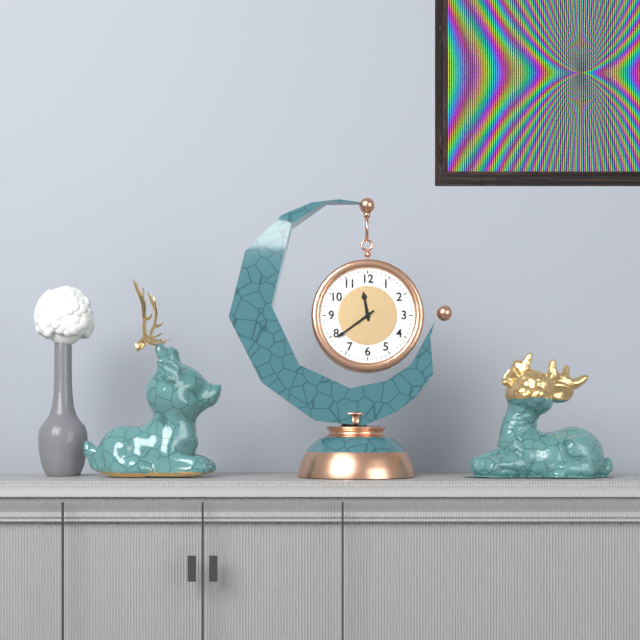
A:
11h39
